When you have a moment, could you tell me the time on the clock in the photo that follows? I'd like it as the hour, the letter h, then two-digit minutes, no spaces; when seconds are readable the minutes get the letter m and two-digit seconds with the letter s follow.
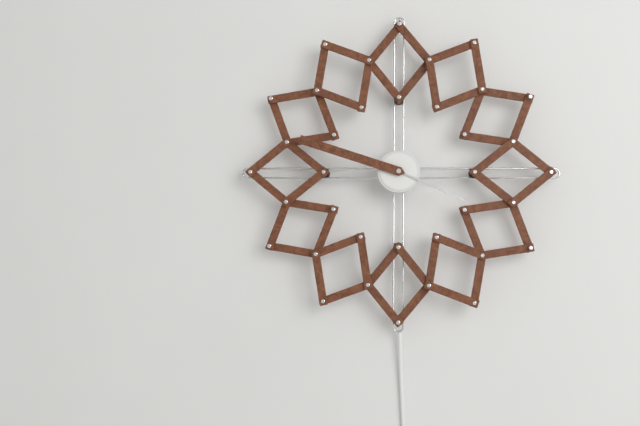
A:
3h48
